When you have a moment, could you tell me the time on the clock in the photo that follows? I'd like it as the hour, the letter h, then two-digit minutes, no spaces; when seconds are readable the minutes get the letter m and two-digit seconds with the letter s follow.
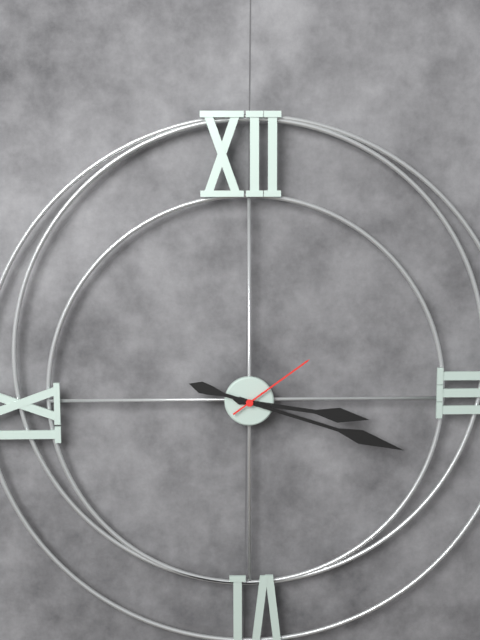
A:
3h18m09s
